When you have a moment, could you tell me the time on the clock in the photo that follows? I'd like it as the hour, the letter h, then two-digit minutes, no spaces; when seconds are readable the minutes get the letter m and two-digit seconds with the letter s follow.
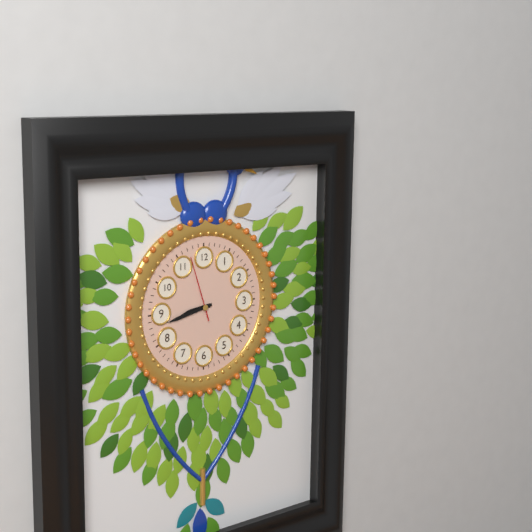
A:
8h43m57s
